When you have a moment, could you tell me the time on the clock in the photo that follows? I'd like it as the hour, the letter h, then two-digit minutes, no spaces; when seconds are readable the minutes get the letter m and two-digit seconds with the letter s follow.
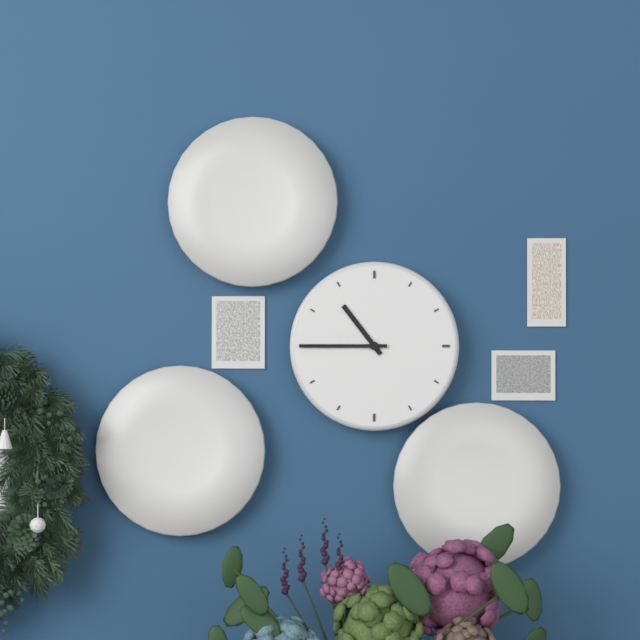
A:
10h45
